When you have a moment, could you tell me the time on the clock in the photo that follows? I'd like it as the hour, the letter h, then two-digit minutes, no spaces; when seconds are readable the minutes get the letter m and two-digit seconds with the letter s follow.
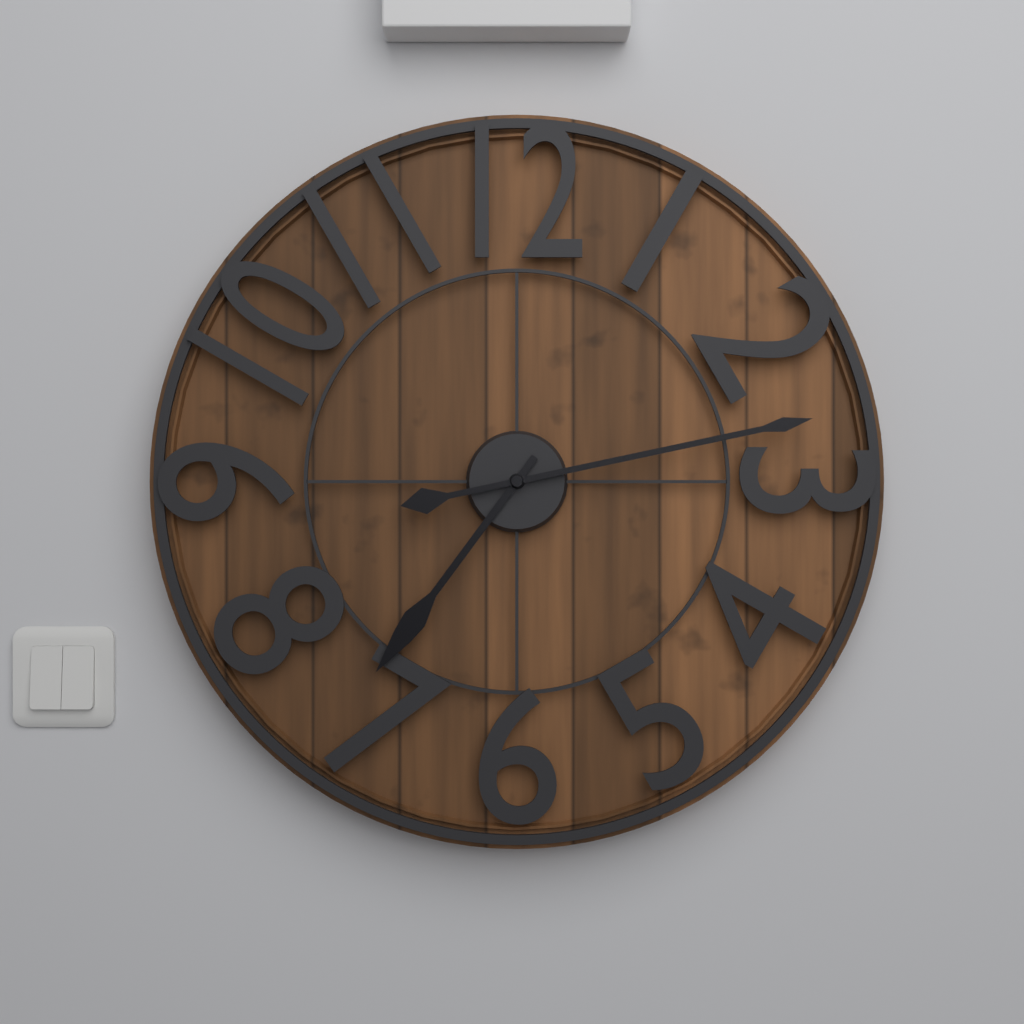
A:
7h13
